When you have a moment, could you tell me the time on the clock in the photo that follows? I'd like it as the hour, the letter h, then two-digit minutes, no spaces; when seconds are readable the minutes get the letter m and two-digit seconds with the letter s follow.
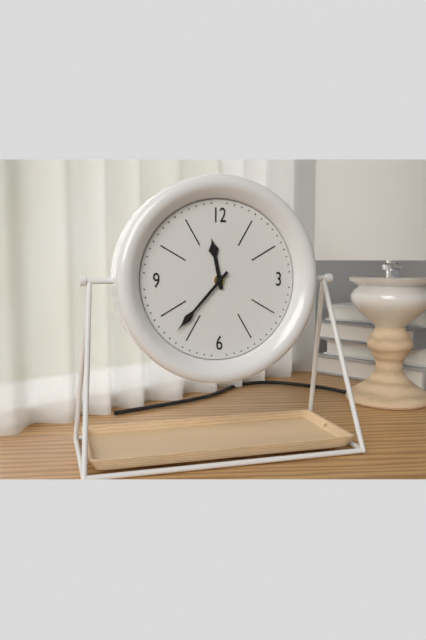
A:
11h37
